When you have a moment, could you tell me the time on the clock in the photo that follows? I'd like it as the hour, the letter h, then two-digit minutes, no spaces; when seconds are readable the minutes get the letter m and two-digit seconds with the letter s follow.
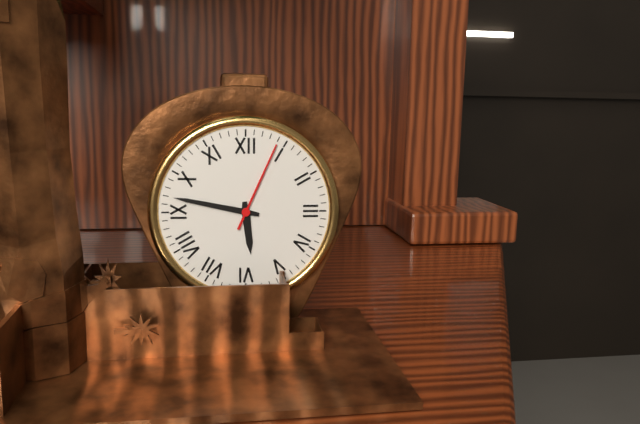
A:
5h47m04s
